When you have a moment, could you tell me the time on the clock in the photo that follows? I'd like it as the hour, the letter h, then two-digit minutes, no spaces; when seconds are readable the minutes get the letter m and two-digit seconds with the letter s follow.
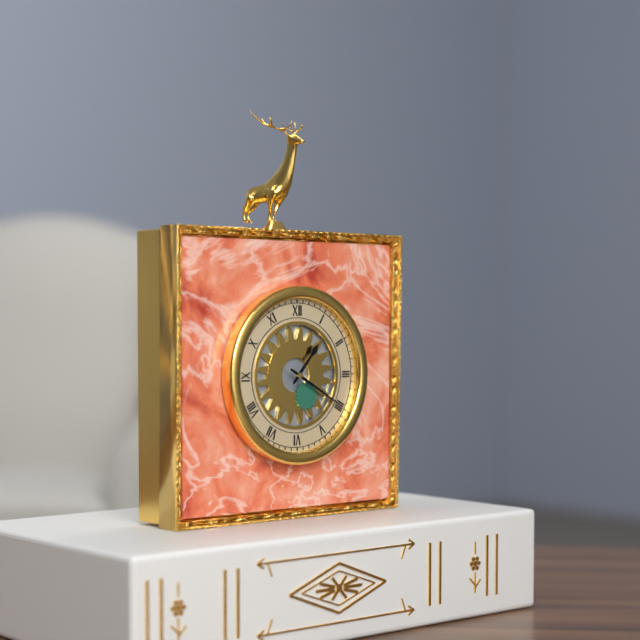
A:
1h20
